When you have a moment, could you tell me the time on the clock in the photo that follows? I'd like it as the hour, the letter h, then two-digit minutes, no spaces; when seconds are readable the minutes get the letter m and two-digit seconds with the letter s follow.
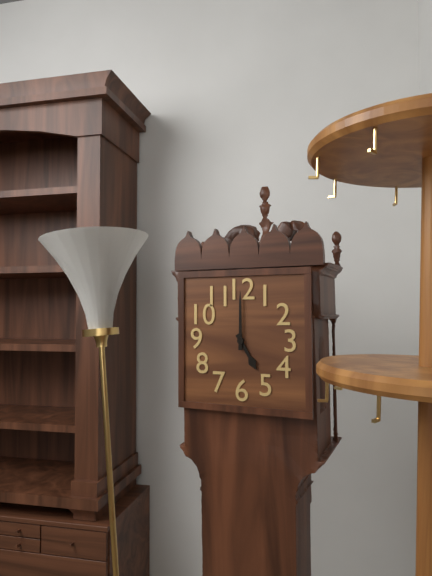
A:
5h00
